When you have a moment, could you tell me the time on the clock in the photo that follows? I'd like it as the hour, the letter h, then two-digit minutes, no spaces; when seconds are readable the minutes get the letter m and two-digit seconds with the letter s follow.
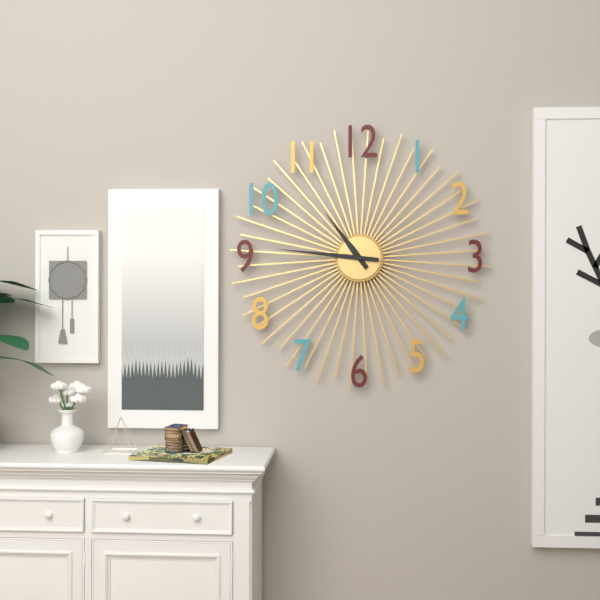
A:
10h46
